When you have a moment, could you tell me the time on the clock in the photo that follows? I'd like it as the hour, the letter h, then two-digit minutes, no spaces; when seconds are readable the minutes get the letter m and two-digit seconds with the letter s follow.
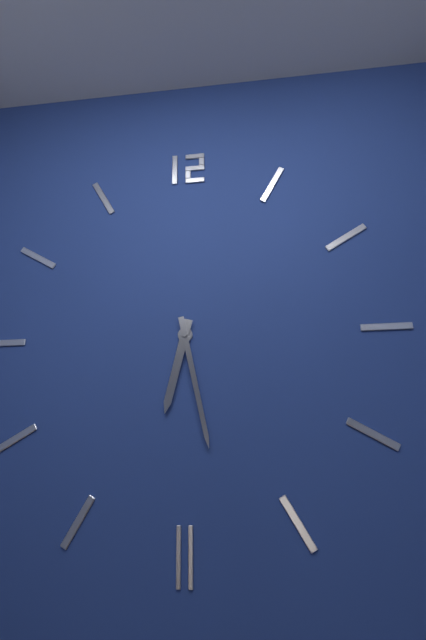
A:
6h28
